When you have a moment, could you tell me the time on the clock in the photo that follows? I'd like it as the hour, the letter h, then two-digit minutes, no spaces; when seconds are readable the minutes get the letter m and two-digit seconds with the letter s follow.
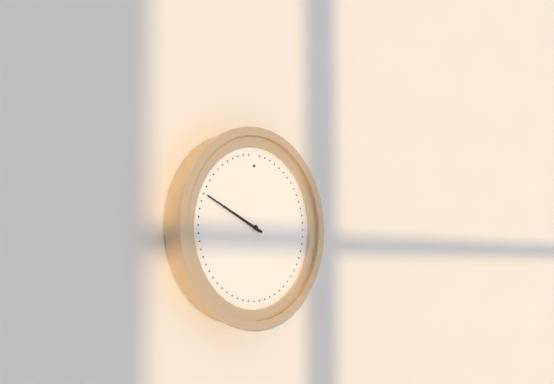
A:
9h49
